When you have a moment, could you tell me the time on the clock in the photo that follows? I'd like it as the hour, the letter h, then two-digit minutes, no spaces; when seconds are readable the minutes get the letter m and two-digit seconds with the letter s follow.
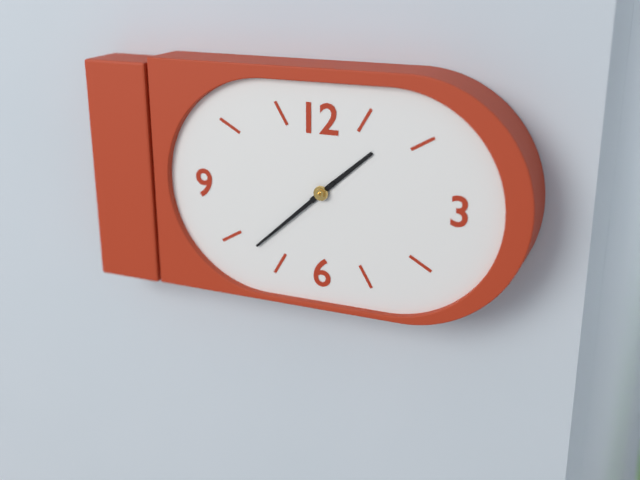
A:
1h38
